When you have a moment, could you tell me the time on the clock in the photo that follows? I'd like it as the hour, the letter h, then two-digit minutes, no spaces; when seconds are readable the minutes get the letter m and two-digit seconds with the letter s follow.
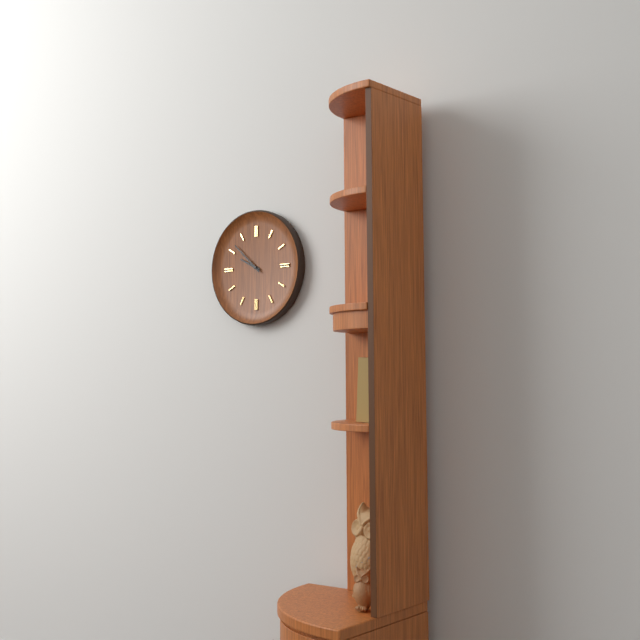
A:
9h52
